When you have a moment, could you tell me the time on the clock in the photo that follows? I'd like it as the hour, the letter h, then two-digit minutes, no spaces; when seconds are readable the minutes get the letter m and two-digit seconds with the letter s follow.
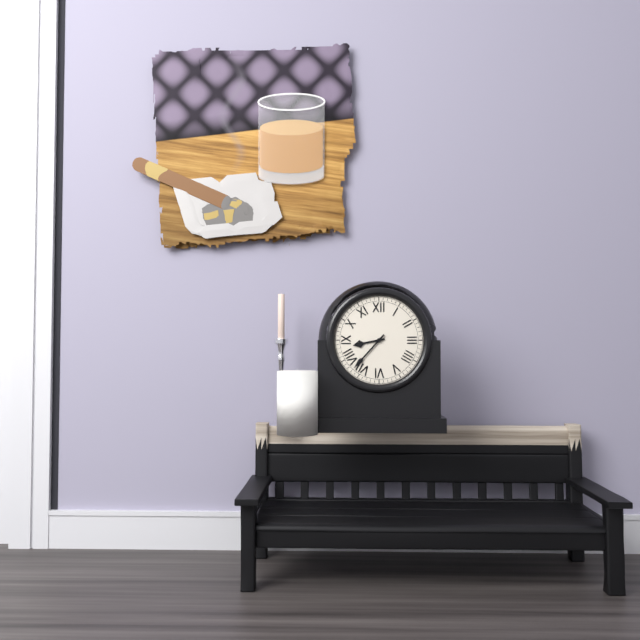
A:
8h37
